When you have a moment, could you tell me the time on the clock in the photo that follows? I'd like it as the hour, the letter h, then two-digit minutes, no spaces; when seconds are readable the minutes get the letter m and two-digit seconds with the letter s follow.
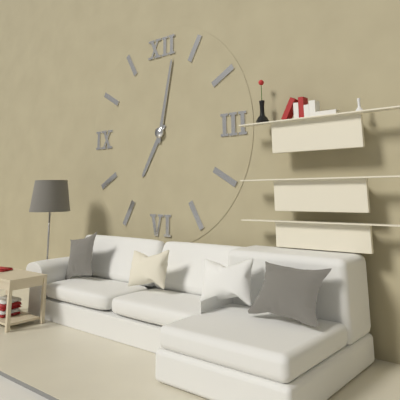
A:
7h02
